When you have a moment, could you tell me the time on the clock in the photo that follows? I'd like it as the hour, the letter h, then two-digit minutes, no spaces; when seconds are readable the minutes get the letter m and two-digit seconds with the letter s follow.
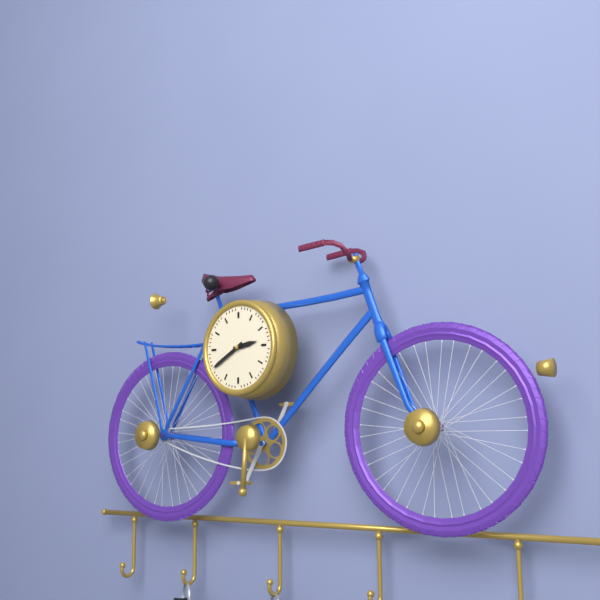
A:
2h40
